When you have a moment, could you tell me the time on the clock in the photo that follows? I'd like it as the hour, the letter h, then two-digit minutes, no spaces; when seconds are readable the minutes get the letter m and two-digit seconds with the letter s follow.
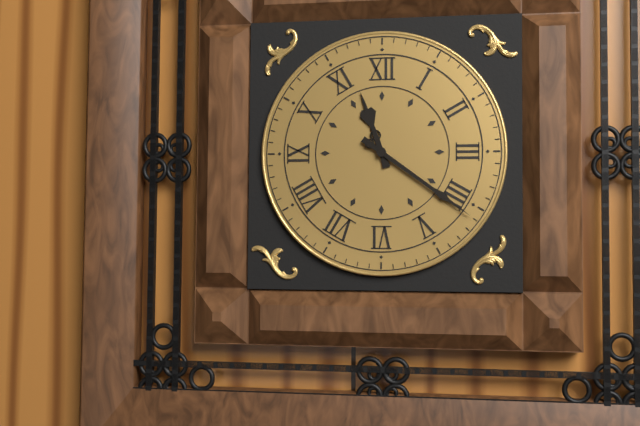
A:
11h21
